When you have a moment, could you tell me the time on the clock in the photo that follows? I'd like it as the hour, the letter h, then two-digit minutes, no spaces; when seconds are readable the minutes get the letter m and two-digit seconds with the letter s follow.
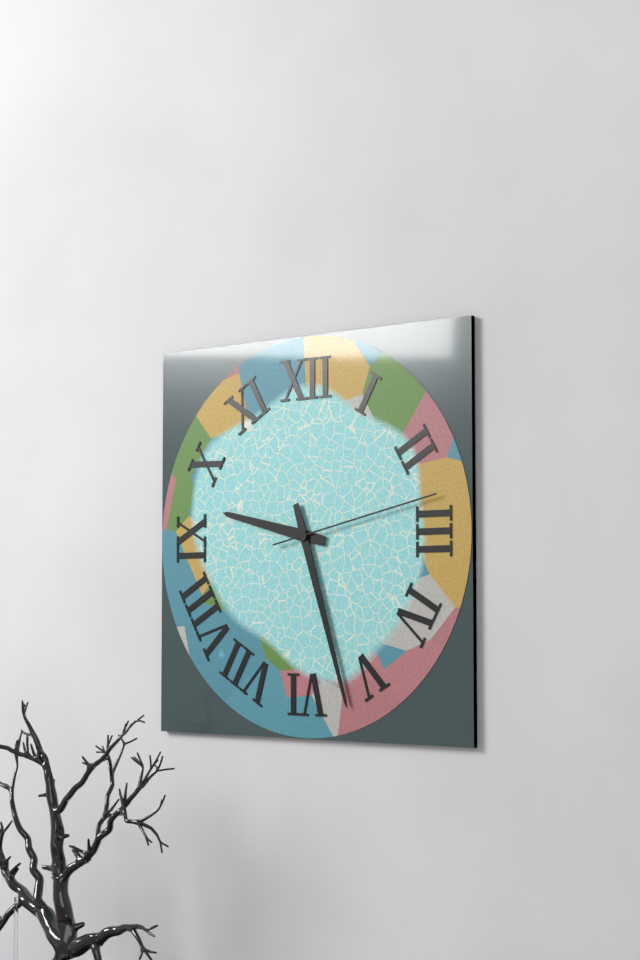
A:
9h27m13s
